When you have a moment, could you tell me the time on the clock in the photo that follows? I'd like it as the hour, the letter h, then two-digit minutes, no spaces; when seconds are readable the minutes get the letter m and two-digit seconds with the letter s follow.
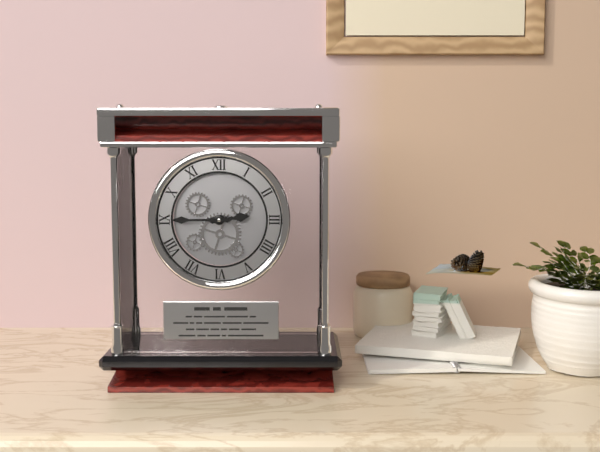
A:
2h45
